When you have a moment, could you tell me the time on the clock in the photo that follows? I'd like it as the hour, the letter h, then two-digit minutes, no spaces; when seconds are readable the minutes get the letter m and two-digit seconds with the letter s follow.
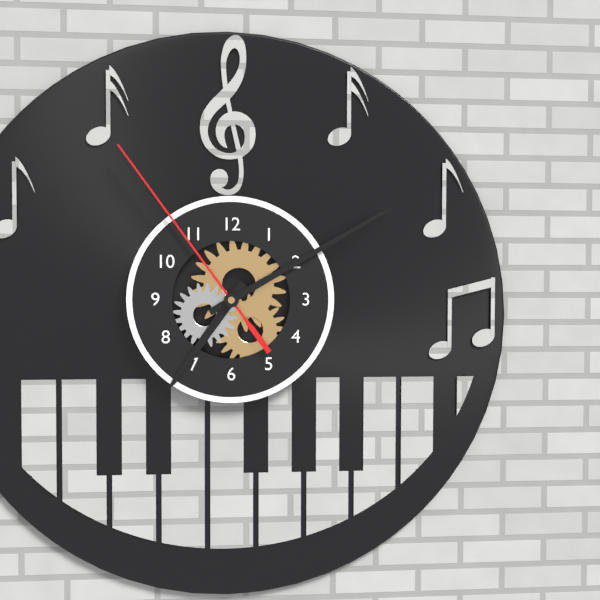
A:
7h10m54s
